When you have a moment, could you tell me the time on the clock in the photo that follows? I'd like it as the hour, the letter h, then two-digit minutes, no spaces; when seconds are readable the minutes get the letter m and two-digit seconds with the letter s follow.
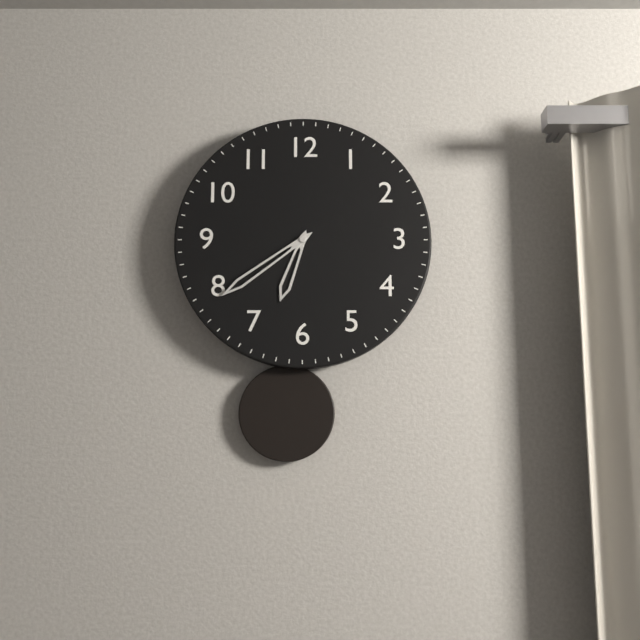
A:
6h39
